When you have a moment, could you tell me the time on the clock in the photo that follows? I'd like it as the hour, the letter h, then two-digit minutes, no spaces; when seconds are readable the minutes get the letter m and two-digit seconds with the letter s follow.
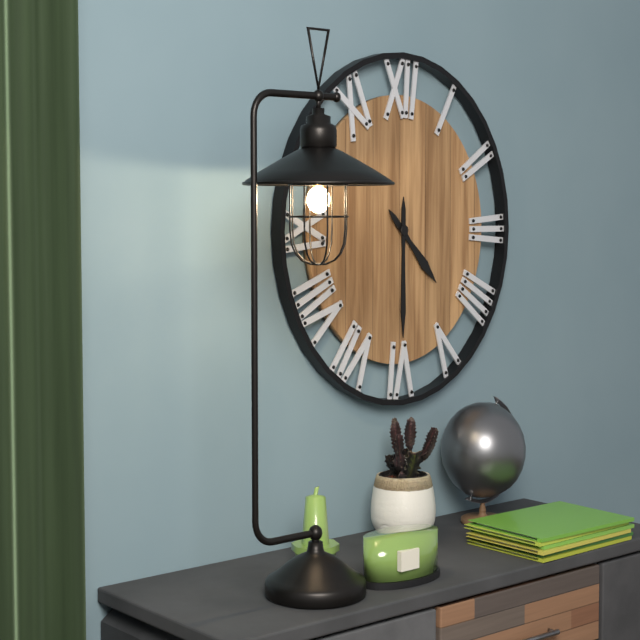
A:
4h30
